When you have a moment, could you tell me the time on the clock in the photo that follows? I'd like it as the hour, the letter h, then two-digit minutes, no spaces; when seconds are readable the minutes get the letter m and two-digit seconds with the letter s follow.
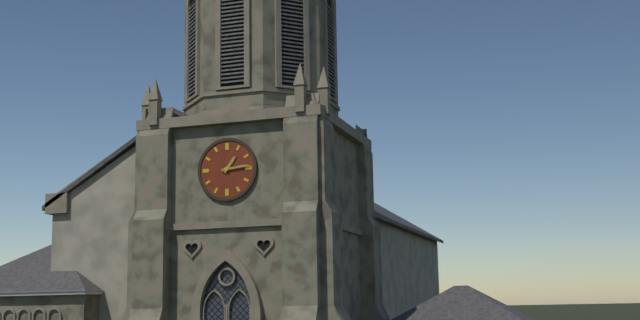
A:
1h14
